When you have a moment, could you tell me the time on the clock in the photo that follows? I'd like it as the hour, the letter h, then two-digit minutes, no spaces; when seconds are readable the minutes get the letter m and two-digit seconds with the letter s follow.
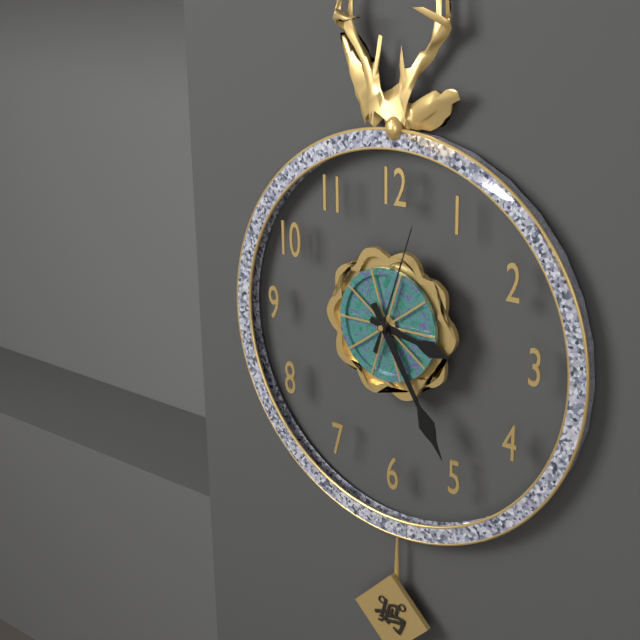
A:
3h25m03s
